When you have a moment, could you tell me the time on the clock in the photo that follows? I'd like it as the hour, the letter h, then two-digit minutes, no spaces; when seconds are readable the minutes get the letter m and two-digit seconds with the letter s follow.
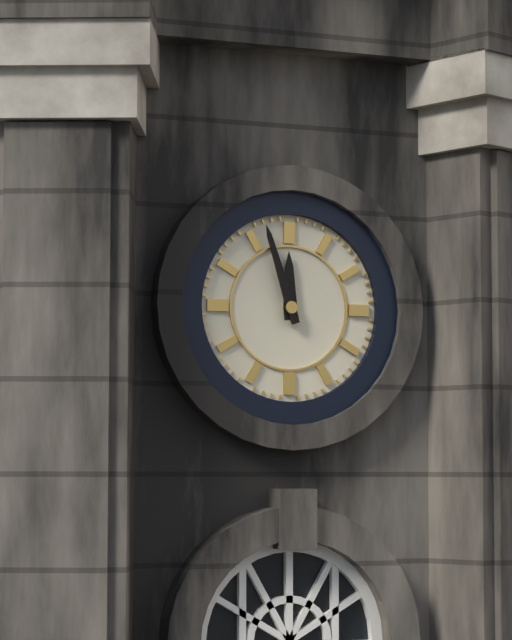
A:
11h57
